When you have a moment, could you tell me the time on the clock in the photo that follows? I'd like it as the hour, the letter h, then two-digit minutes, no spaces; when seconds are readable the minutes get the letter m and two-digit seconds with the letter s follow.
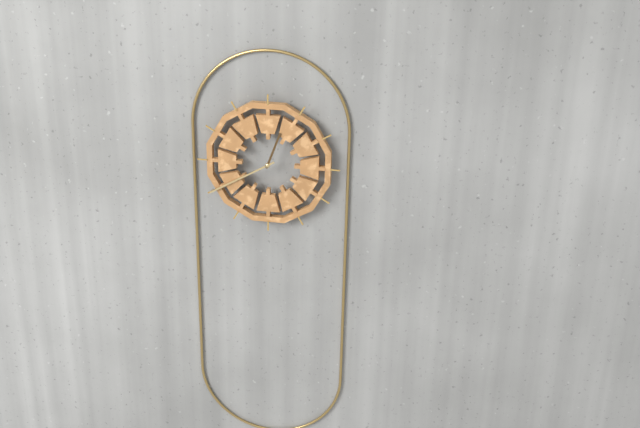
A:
12h40
